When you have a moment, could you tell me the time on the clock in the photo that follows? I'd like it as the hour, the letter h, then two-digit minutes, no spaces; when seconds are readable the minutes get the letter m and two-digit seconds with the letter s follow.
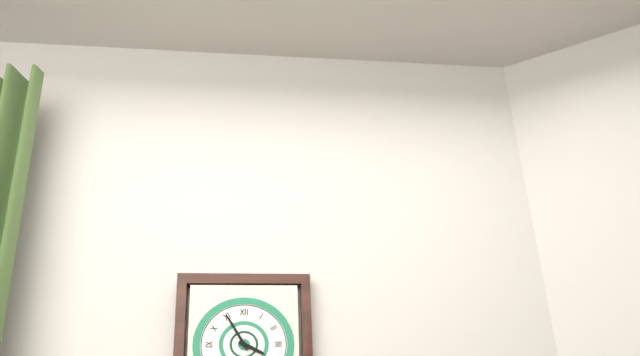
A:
3h55
